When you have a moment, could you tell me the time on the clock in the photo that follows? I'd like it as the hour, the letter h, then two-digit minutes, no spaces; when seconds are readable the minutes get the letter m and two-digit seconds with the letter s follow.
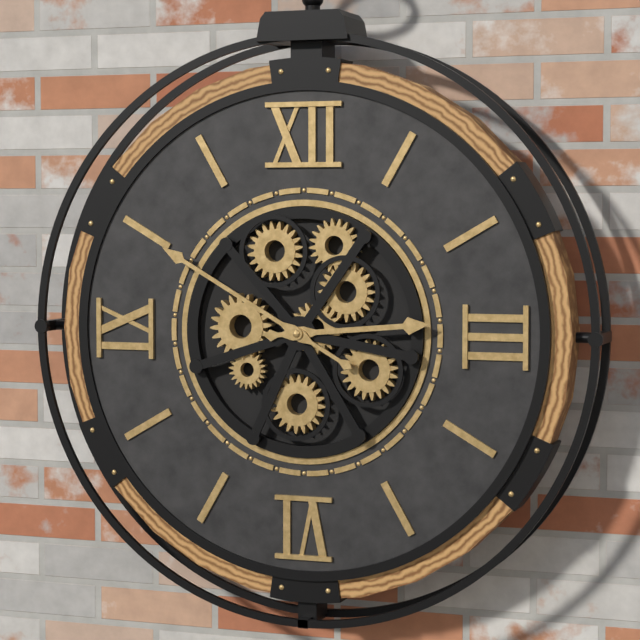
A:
2h50
